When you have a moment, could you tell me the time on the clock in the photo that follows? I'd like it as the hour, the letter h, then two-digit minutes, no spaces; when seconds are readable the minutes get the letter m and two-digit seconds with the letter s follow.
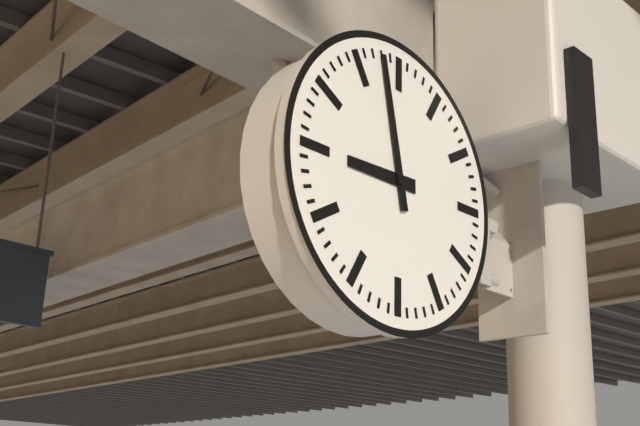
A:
8h58
